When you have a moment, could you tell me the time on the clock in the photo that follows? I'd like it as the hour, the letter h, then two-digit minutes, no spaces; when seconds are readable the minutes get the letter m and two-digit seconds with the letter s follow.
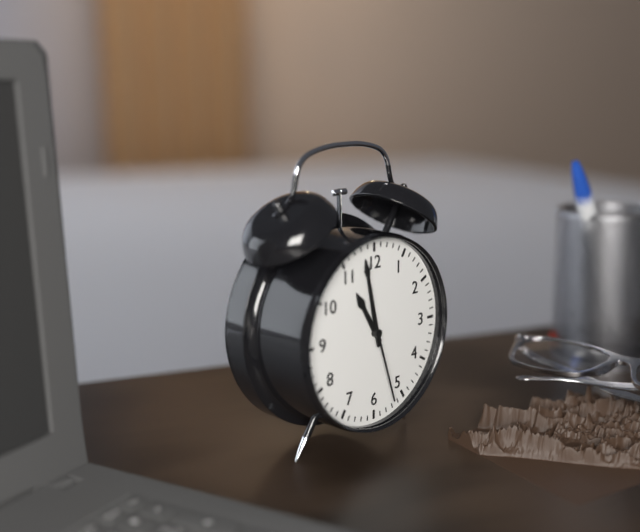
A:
10h58m27s
